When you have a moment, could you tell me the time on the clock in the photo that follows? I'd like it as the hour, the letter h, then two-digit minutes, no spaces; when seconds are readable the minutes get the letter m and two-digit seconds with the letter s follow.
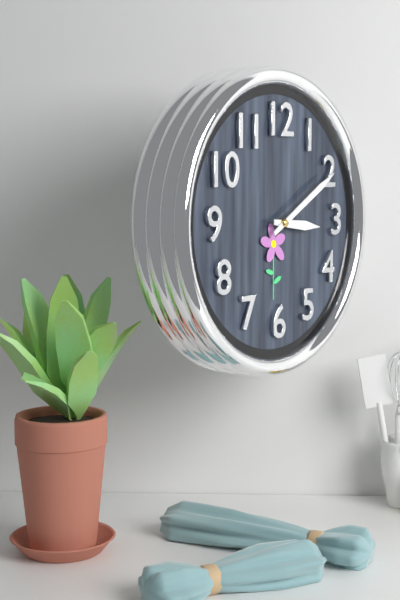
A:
3h10
